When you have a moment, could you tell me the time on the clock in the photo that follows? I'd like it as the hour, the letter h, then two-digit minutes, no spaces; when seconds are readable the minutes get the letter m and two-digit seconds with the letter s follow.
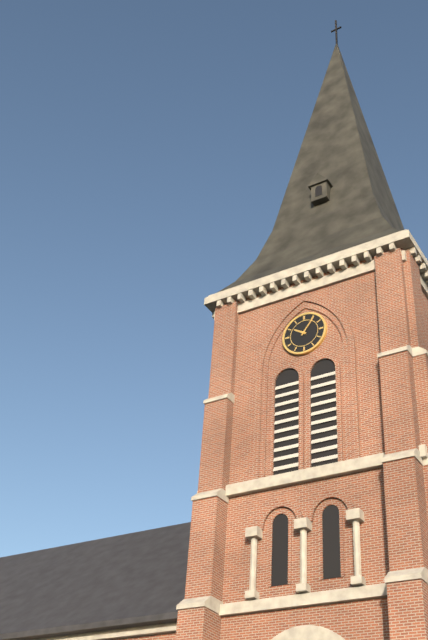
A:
10h06
